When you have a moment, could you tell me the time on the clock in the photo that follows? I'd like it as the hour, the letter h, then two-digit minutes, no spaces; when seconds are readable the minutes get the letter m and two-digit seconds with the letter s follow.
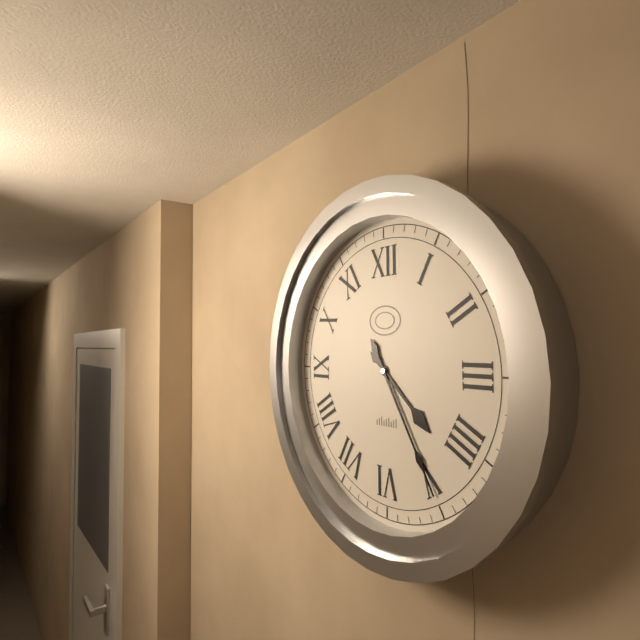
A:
4h25
